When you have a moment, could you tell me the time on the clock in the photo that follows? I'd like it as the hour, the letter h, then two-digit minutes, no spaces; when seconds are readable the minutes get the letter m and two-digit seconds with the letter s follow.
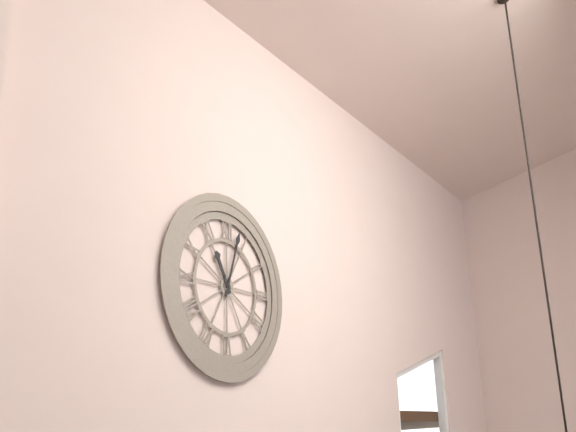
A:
11h03
